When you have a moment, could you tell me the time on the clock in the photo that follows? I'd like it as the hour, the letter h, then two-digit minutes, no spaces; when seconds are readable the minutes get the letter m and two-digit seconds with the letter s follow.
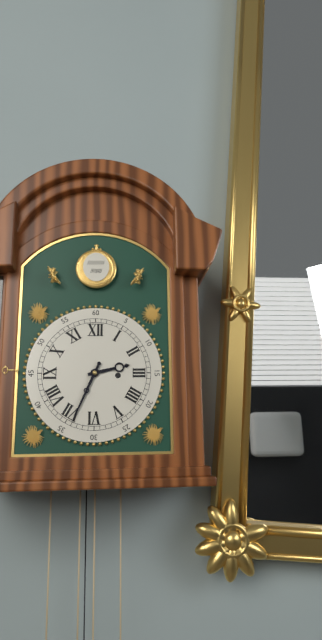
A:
2h34
